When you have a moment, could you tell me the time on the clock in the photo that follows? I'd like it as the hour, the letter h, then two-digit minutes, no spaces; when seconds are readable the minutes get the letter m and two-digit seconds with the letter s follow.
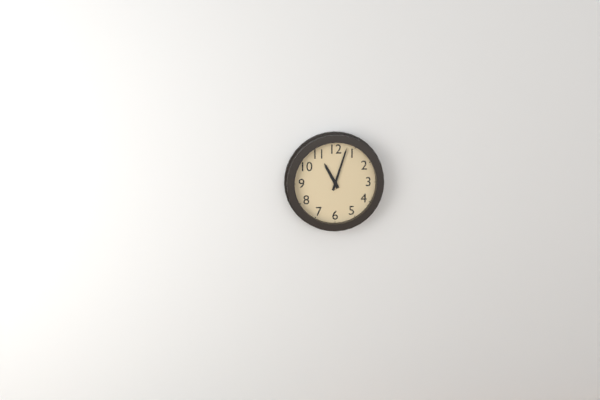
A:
11h03
